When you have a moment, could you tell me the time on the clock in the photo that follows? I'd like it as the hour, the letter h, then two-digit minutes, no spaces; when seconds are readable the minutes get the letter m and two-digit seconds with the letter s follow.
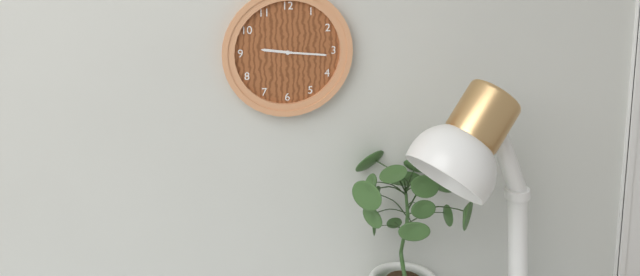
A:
9h16
